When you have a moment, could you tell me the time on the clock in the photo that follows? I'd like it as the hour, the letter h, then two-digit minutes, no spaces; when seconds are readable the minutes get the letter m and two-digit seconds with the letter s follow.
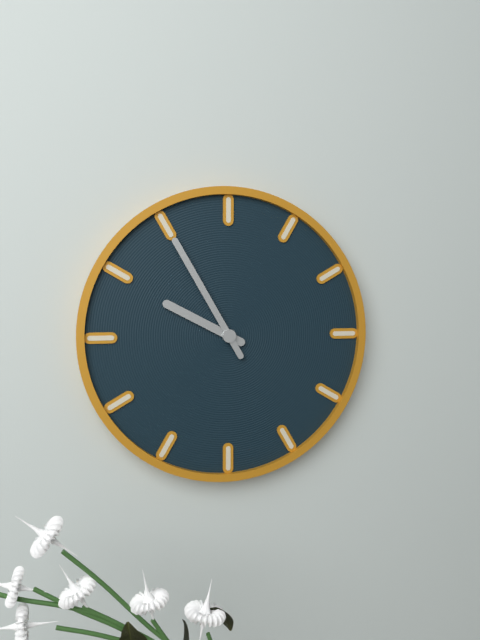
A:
9h55
